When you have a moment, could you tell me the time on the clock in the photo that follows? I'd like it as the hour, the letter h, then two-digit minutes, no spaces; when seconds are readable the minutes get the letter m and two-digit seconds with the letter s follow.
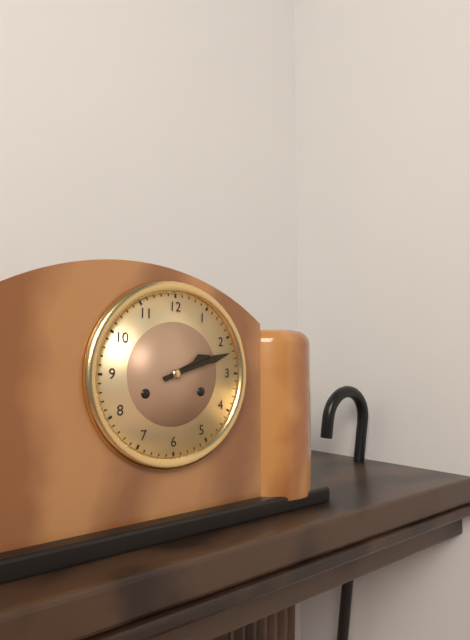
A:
2h12
